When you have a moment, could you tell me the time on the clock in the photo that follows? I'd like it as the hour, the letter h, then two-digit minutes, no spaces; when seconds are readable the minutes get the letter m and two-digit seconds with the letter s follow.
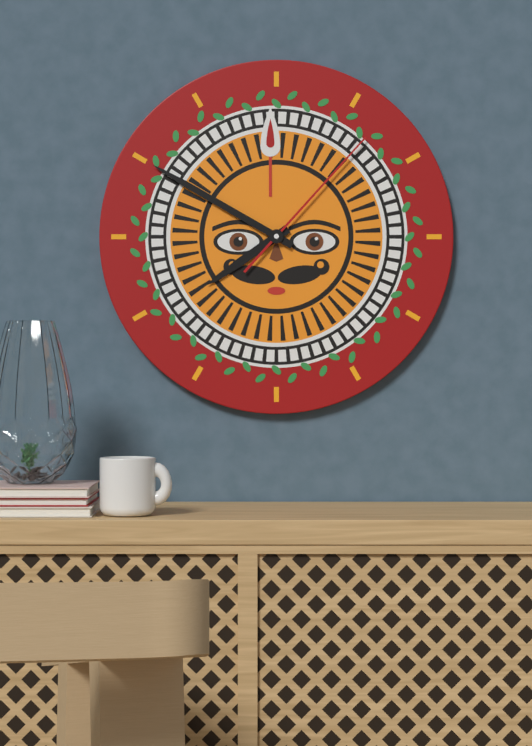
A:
7h50m07s
